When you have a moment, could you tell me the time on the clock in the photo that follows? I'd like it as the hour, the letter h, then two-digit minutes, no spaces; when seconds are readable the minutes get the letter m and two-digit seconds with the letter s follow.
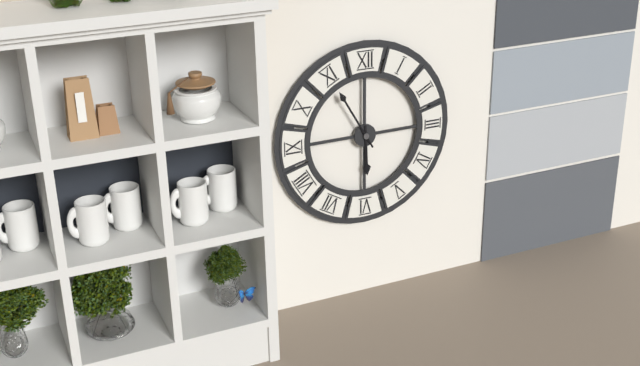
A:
5h55
